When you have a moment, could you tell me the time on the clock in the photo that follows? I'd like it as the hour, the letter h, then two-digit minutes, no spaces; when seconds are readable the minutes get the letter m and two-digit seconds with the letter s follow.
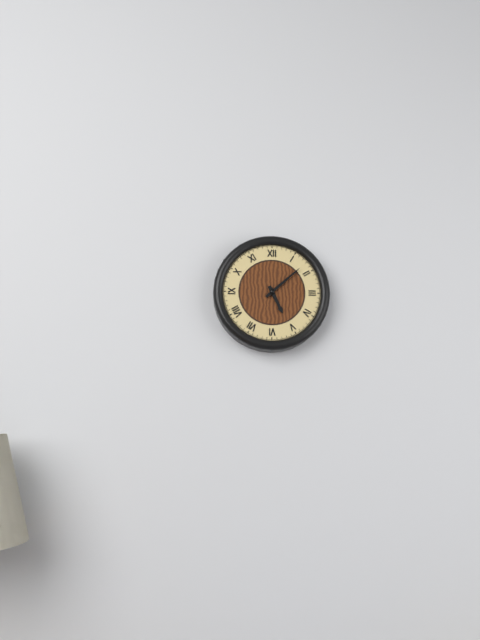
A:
5h08
